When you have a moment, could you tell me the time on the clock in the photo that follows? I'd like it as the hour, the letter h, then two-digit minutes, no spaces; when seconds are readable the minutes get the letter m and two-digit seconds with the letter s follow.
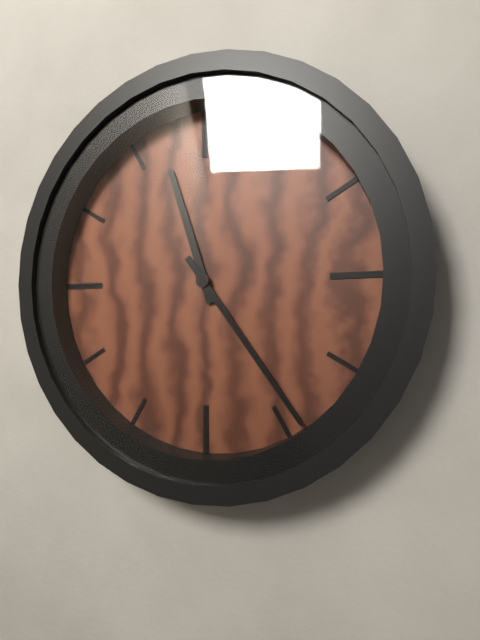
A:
11h24
